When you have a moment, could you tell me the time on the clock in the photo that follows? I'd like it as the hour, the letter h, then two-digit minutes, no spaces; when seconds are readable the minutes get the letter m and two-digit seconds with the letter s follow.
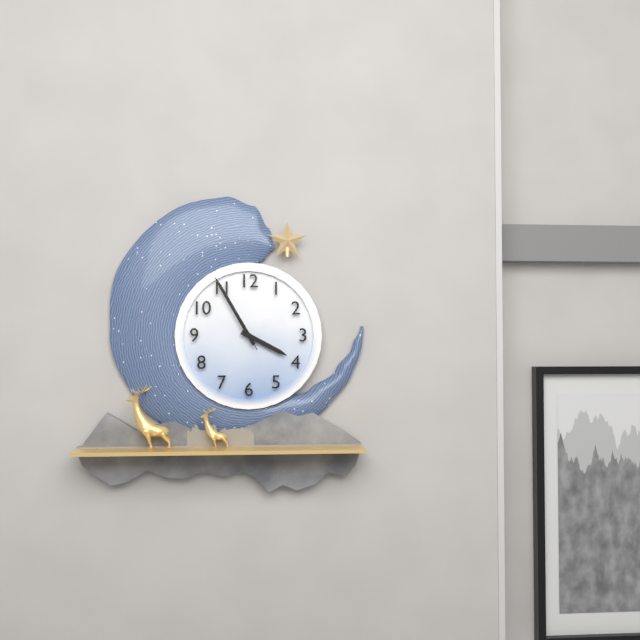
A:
3h55m55s
